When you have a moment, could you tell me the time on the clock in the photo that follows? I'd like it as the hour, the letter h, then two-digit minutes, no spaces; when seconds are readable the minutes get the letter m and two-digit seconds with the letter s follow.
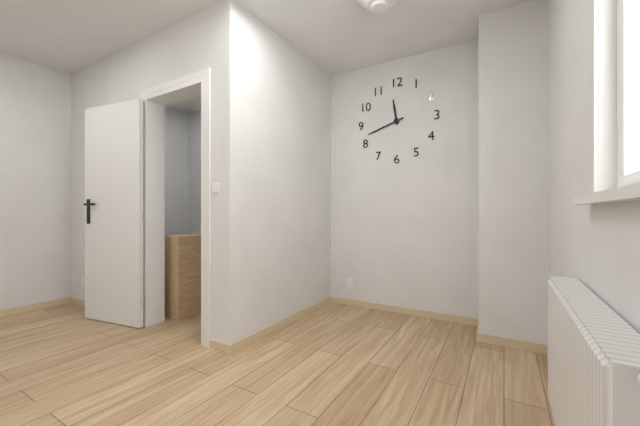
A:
11h42
